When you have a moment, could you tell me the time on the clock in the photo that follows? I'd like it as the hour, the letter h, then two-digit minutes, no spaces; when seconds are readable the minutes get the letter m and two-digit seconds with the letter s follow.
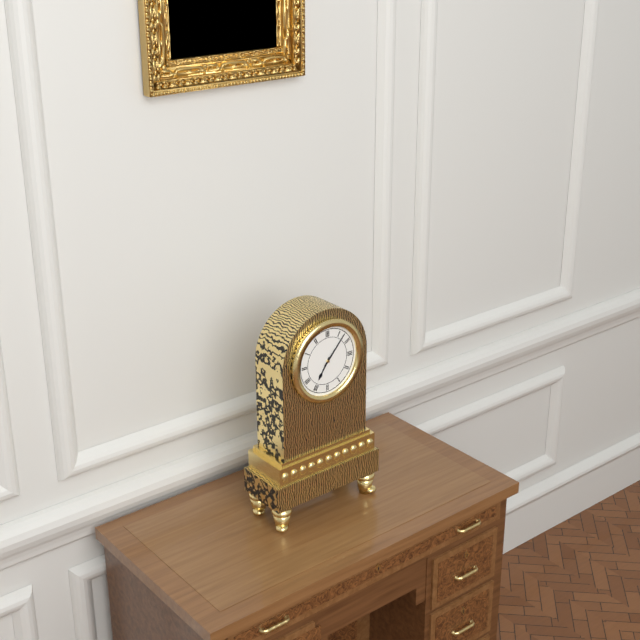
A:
7h07
